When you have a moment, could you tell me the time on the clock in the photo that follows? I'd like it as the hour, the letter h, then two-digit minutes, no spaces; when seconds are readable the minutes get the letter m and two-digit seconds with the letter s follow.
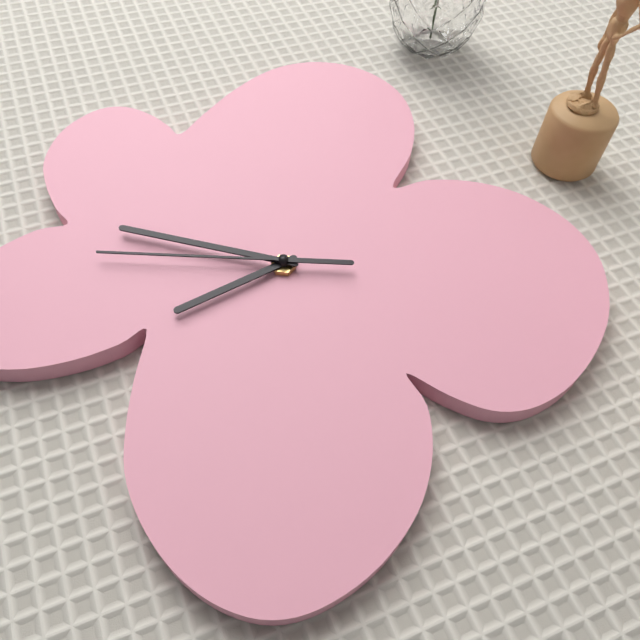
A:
6h41m39s
